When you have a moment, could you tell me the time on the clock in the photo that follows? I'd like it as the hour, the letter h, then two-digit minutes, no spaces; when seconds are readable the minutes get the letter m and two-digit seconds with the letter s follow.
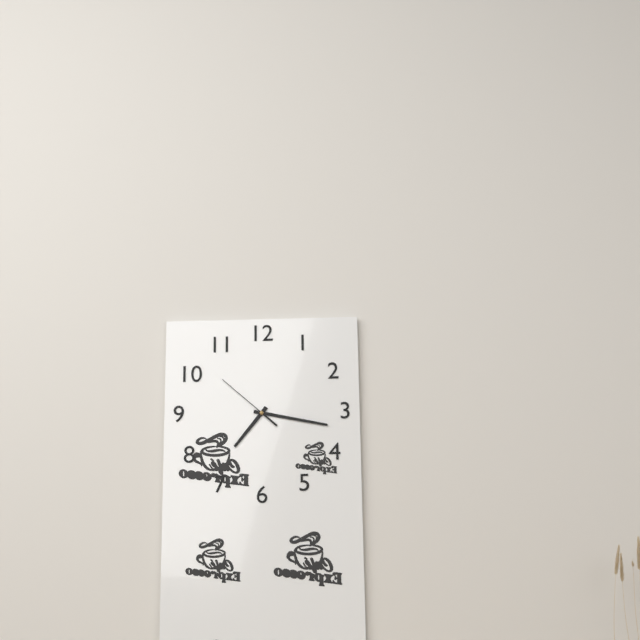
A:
7h17m52s
